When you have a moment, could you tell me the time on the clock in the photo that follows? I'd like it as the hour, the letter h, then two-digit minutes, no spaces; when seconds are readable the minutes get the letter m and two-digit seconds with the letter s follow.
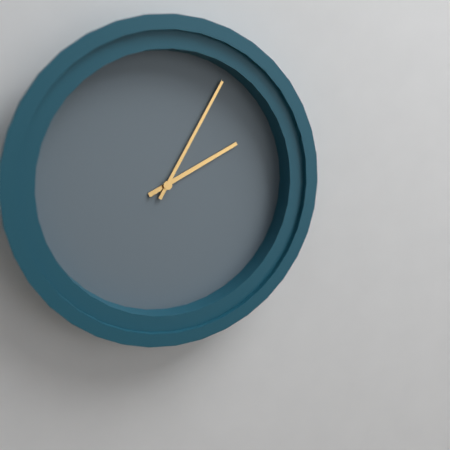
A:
2h05
